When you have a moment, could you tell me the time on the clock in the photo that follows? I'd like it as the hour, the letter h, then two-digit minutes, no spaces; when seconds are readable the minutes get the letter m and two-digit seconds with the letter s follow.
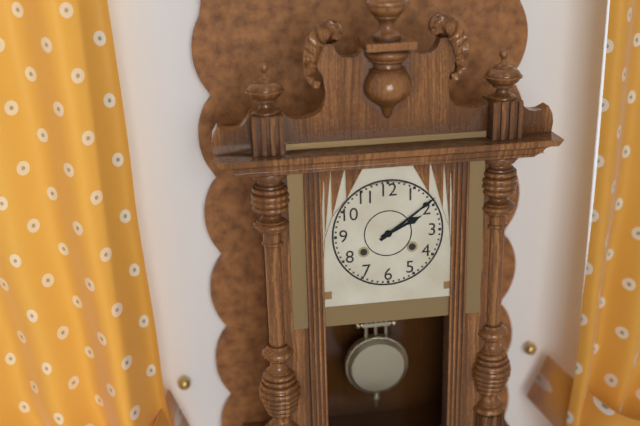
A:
2h09
